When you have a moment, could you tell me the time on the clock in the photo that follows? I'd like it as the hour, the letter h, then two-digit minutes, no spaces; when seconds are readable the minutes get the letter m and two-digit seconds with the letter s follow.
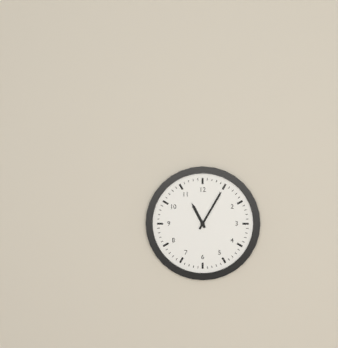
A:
11h05
